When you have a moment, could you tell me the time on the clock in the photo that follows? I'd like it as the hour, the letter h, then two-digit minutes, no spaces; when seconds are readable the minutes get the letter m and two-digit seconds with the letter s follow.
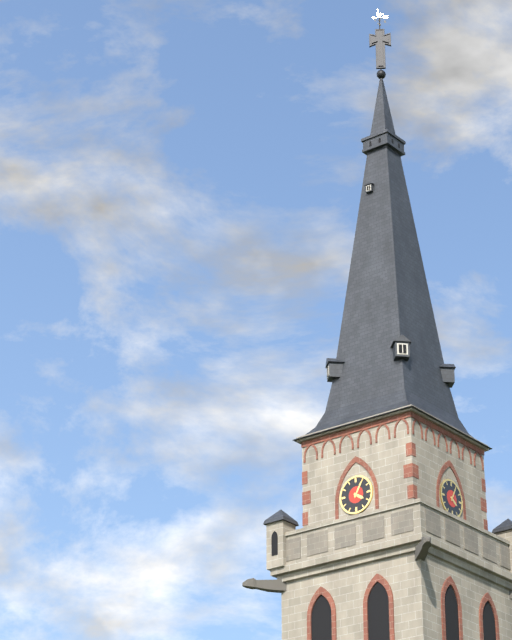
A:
4h05
